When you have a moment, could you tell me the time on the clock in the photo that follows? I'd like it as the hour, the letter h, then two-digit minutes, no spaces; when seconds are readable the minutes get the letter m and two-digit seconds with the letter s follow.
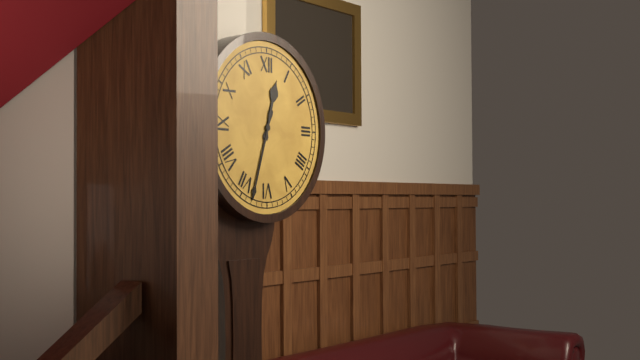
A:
12h33
